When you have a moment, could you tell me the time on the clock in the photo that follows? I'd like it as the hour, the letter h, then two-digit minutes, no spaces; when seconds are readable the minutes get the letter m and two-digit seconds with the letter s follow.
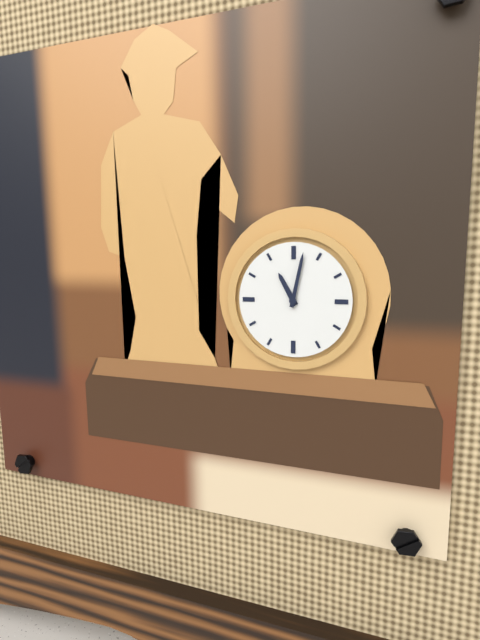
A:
11h02
